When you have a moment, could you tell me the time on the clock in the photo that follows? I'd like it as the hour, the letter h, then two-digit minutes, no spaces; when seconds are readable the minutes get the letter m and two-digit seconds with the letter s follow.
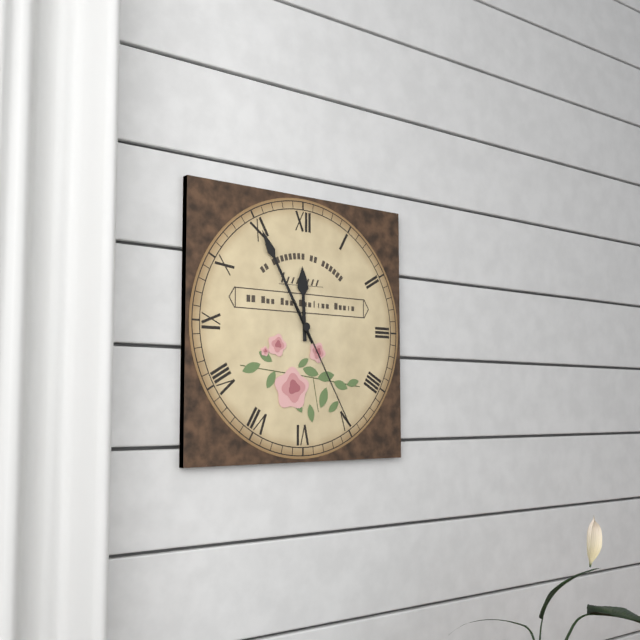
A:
11h55m25s
